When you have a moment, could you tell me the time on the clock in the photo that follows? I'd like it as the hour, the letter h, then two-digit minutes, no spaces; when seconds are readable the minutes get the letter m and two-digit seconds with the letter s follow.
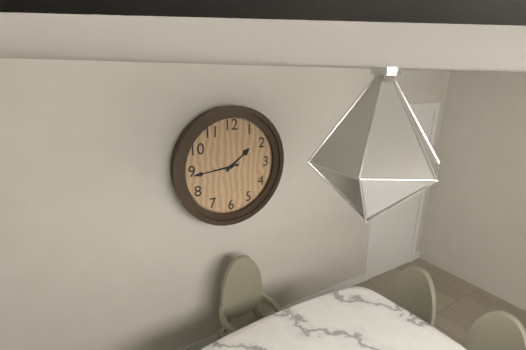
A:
1h44
